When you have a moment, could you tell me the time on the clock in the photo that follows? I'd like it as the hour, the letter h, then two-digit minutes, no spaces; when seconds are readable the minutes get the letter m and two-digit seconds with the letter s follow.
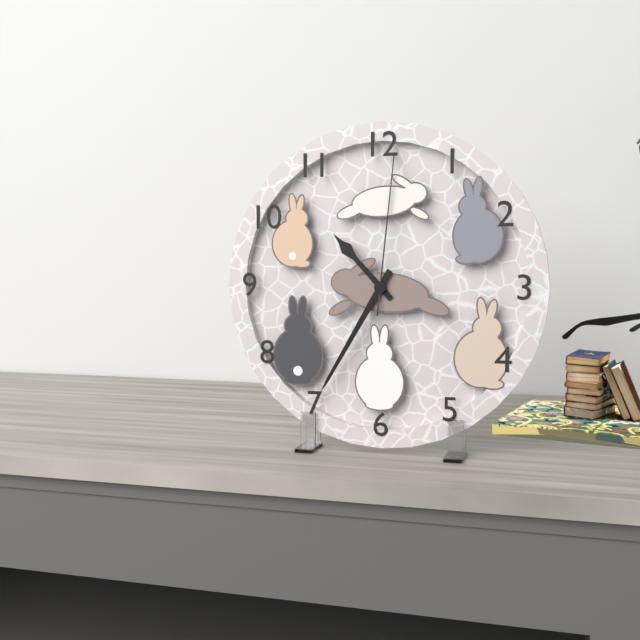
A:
10h35m01s
